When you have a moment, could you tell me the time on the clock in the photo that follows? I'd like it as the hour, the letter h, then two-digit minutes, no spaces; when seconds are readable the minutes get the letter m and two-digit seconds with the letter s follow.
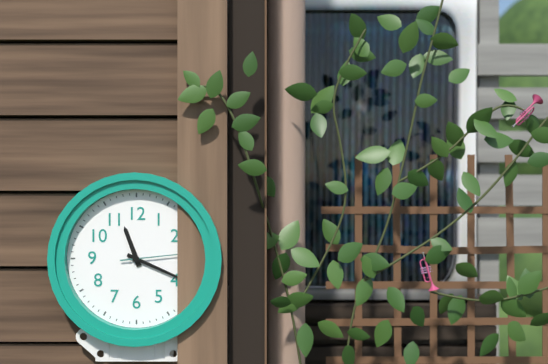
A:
11h19
